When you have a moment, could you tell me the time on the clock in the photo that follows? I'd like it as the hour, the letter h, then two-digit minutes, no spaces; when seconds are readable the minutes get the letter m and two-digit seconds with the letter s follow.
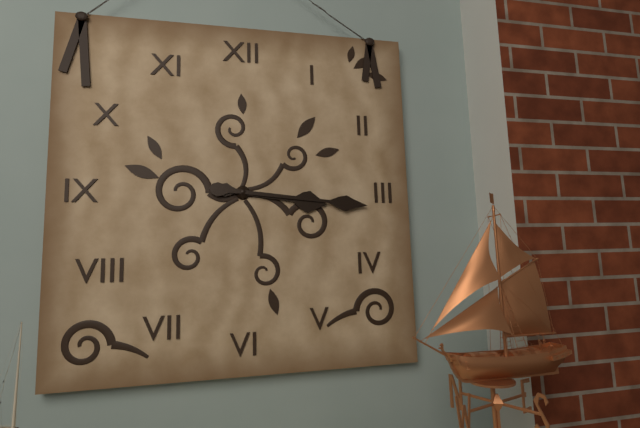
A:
3h16
